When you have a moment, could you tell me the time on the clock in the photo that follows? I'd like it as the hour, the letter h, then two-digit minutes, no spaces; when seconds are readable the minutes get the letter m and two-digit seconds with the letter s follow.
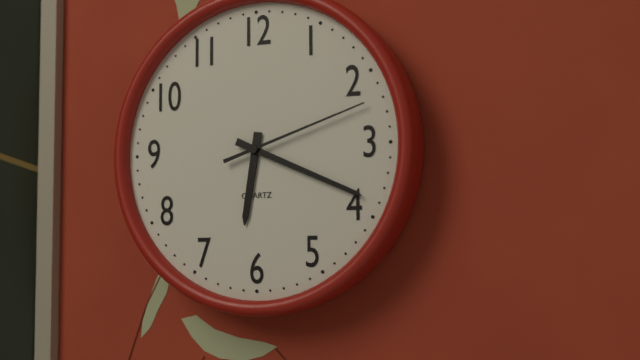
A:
6h19m12s
